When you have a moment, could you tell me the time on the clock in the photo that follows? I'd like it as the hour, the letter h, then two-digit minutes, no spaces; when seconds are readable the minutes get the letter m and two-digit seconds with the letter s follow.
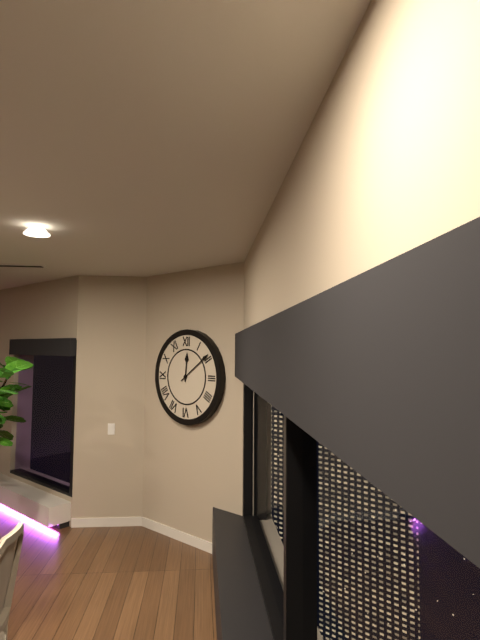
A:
12h09
